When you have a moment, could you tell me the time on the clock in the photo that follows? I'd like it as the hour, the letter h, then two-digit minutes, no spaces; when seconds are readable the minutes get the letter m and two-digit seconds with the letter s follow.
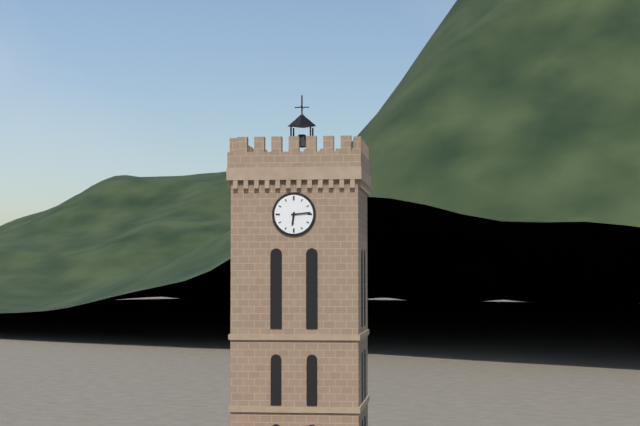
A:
6h14
